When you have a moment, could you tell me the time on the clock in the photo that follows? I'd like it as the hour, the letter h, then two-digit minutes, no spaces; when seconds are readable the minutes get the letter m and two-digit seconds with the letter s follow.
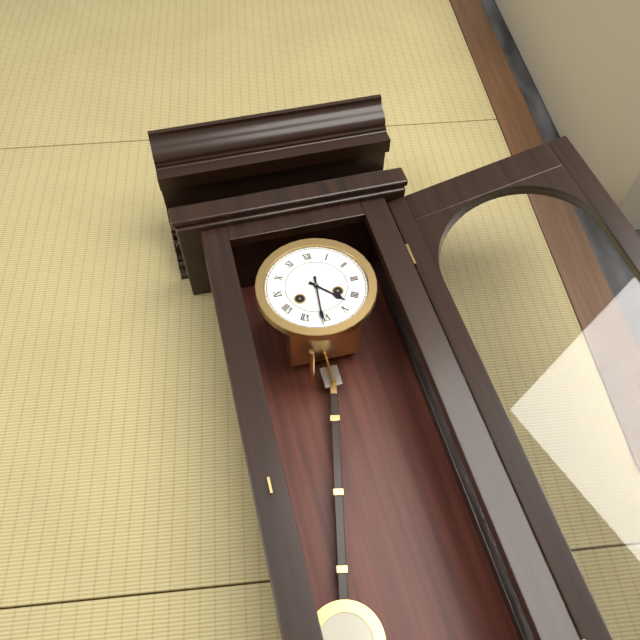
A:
4h31
